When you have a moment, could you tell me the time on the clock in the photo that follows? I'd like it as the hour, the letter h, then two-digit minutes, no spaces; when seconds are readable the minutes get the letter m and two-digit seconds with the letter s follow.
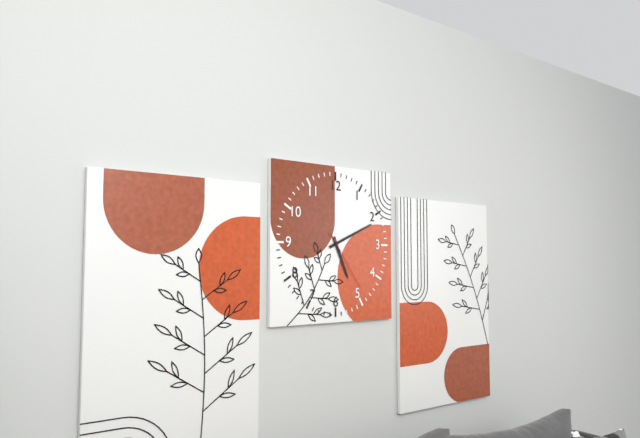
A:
5h11m24s
